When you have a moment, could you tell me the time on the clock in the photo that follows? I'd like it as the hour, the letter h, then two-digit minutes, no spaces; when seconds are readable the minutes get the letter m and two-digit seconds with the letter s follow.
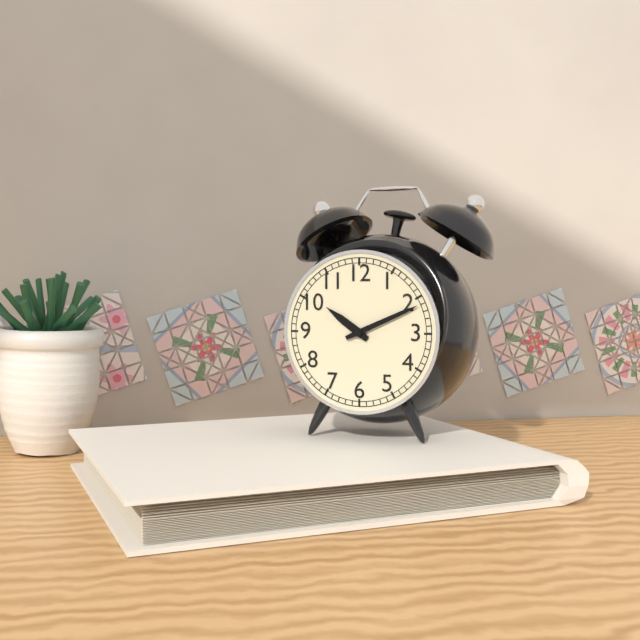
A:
10h11
